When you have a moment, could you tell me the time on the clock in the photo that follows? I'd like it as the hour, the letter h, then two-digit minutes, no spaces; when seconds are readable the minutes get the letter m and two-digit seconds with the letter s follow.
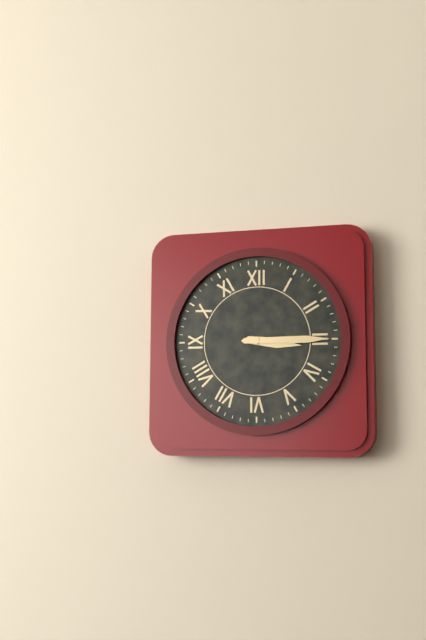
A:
3h15
